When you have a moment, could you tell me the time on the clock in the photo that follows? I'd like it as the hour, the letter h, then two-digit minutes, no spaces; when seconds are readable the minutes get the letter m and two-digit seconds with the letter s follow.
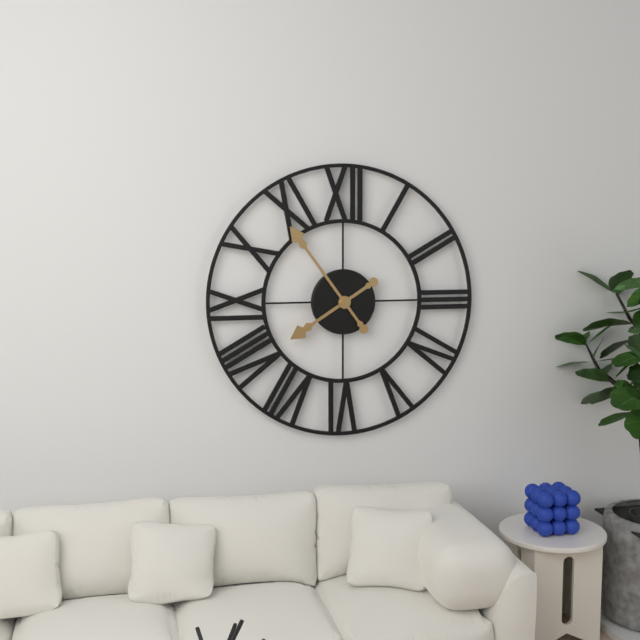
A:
7h54
